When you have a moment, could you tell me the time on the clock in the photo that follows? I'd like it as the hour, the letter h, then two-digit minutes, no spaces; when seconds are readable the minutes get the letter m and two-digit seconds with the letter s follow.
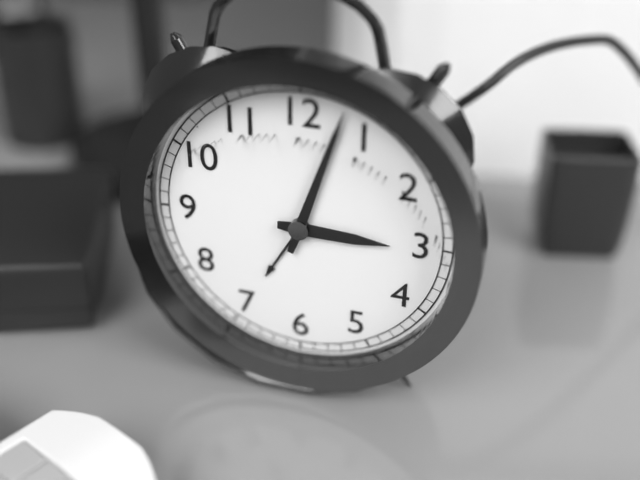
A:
3h03
